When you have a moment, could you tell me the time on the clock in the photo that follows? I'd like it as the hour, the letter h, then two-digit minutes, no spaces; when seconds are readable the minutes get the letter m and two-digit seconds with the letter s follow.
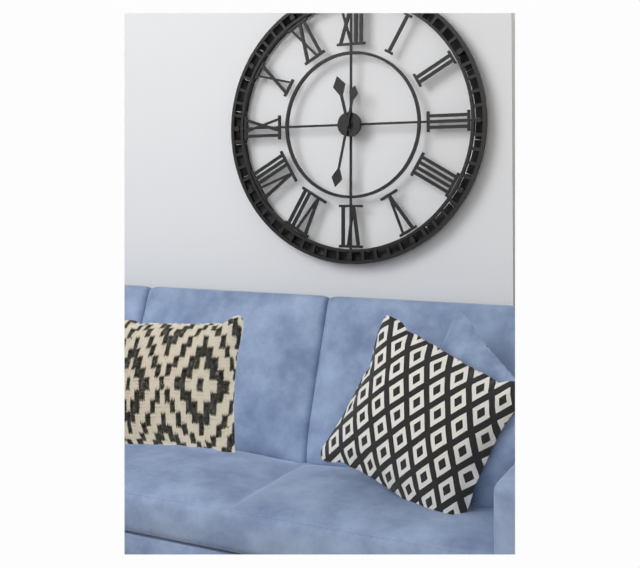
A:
11h32
